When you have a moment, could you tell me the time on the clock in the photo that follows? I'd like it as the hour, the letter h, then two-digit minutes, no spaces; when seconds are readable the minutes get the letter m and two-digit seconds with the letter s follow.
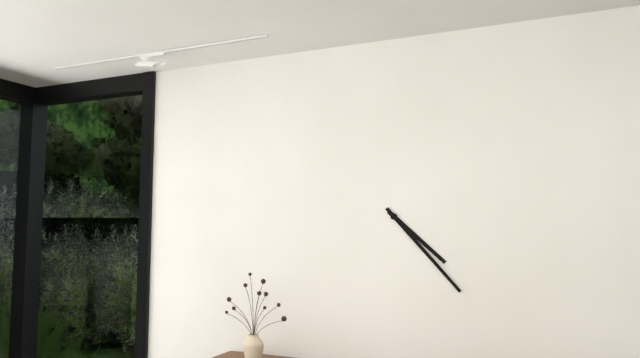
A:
4h23
